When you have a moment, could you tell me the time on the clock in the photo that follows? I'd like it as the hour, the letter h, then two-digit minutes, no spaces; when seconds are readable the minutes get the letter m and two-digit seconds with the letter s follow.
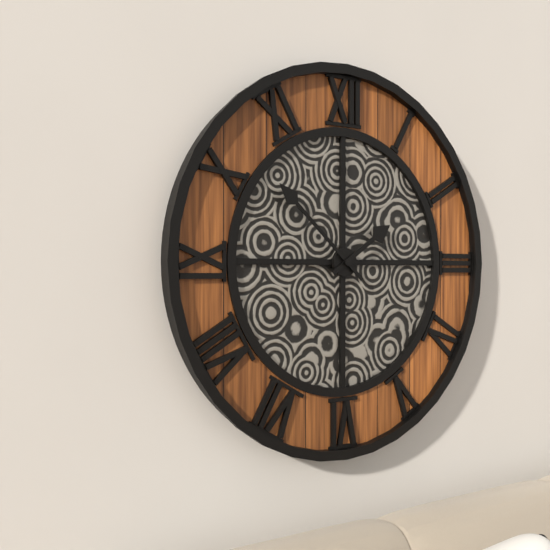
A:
1h52
